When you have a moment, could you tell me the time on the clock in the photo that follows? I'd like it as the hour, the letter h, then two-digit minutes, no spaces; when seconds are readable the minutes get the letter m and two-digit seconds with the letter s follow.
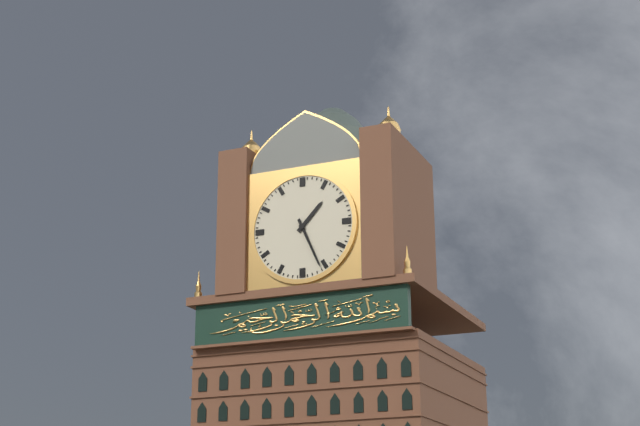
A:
1h26
